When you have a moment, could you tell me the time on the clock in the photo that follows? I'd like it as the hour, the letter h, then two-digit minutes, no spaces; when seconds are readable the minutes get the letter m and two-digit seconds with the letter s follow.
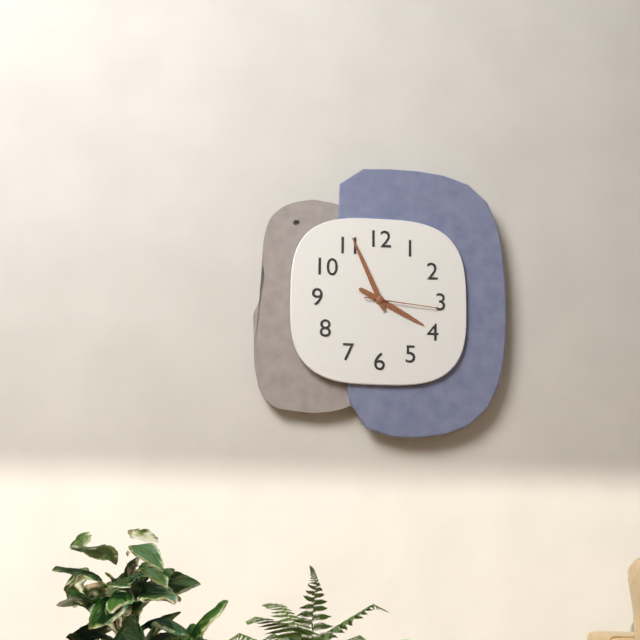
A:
3h56m16s
